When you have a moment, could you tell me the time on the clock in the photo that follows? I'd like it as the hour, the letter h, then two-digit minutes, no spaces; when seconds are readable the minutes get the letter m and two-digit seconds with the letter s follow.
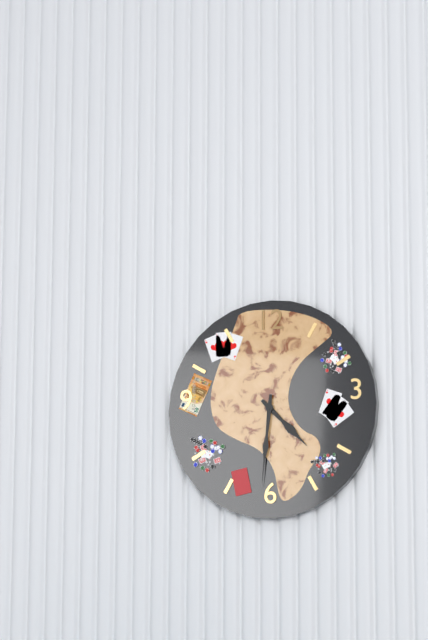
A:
4h31
